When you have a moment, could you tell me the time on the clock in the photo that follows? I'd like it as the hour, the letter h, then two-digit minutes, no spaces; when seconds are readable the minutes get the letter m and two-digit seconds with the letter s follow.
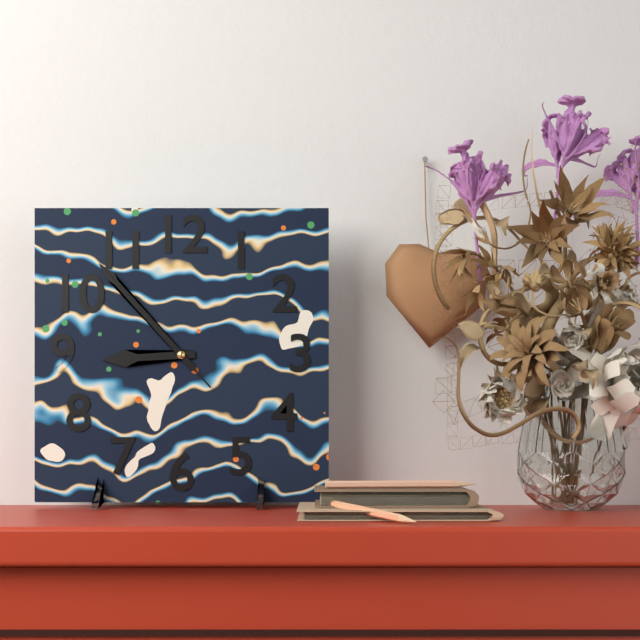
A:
8h53m53s
